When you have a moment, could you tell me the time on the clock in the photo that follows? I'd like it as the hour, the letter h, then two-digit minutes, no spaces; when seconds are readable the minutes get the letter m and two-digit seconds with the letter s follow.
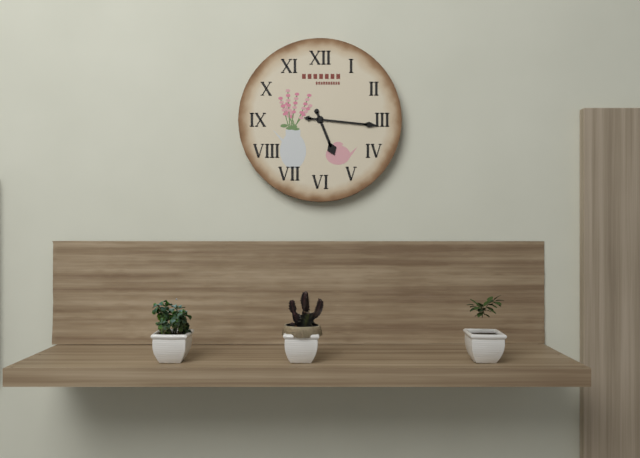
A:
5h16
